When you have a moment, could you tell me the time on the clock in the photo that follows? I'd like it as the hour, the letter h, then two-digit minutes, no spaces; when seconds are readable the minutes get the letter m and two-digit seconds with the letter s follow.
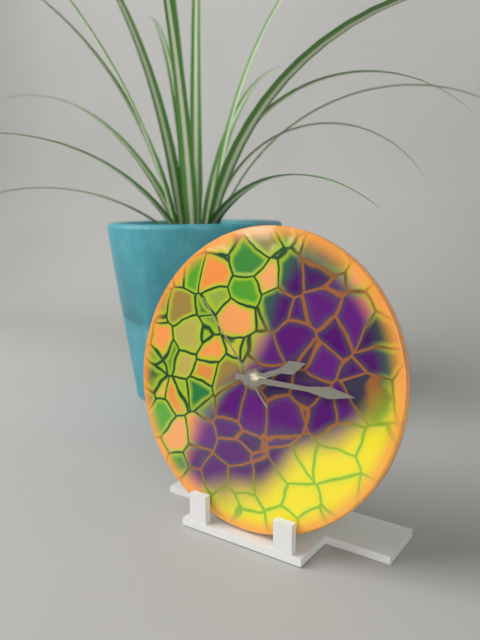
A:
2h15m53s
